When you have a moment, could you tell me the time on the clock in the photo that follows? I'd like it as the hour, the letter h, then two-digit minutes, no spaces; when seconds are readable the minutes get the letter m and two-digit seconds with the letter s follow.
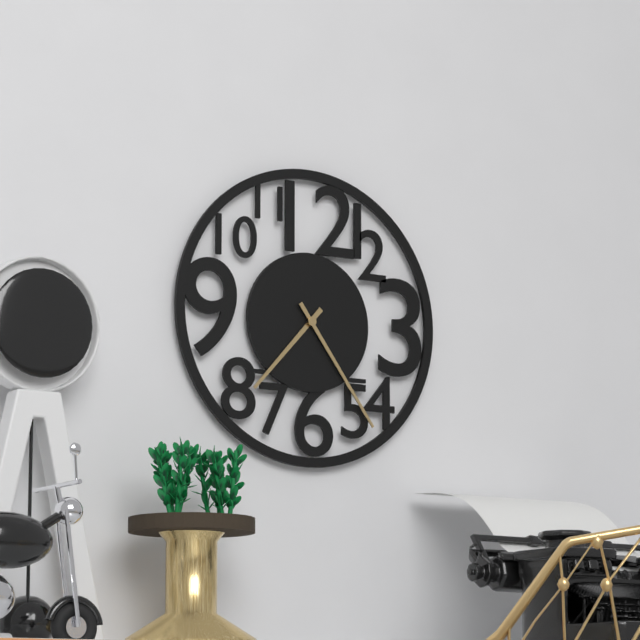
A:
7h24
